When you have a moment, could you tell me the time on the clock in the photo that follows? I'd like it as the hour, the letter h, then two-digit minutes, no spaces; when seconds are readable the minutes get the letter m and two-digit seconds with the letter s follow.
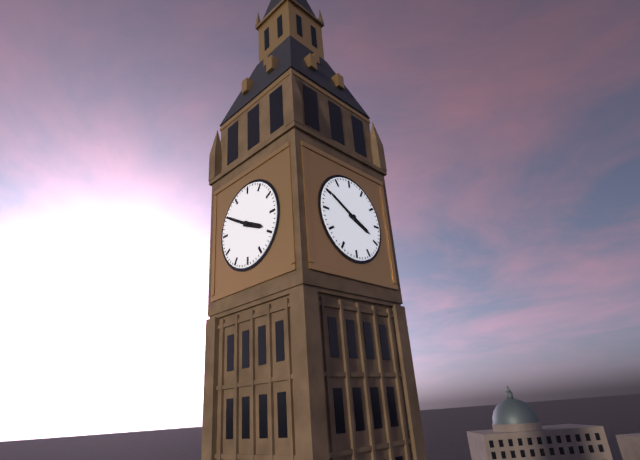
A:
3h50
